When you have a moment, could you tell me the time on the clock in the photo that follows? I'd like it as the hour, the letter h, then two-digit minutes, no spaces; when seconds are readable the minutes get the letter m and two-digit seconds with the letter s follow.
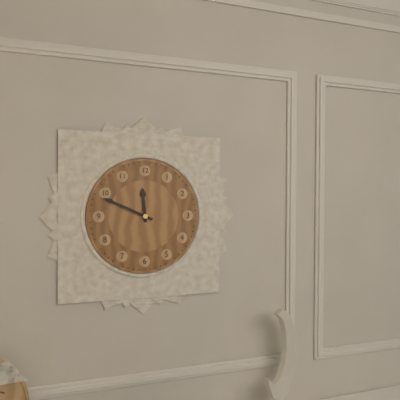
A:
11h49
